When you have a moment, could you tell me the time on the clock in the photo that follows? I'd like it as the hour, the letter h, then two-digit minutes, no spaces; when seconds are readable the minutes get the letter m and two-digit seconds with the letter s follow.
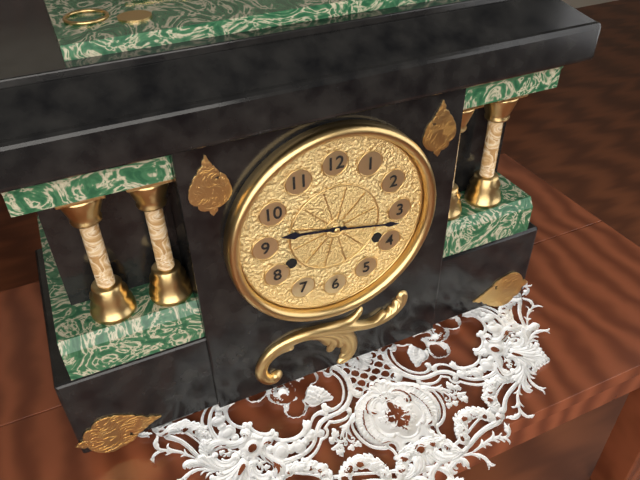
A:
9h17
